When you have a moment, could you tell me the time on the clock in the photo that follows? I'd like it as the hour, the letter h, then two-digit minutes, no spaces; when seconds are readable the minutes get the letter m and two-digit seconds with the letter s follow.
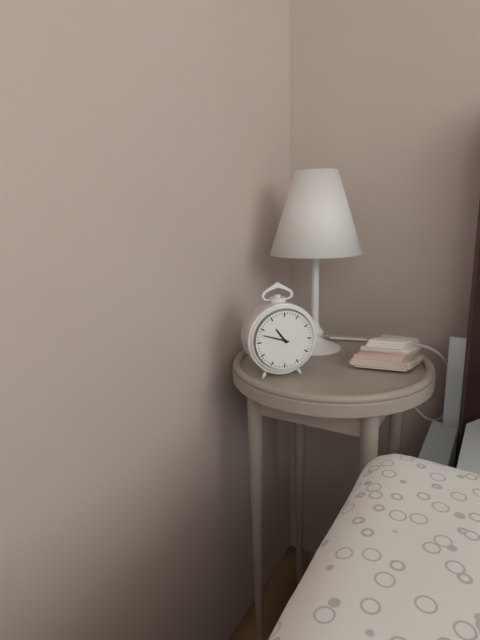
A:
10h48
